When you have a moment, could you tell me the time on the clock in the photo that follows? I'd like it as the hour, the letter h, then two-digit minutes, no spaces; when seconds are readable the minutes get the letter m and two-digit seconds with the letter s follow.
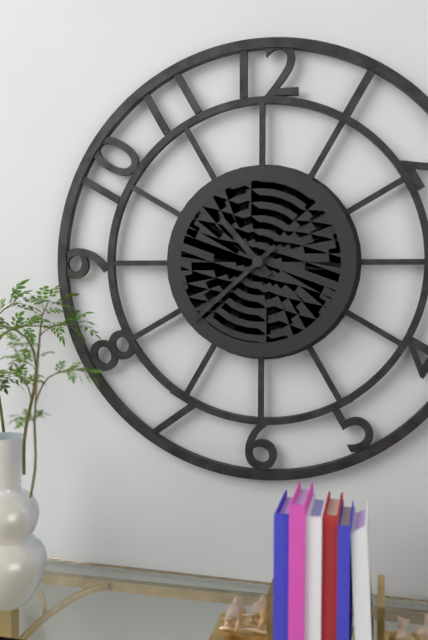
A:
10h38
